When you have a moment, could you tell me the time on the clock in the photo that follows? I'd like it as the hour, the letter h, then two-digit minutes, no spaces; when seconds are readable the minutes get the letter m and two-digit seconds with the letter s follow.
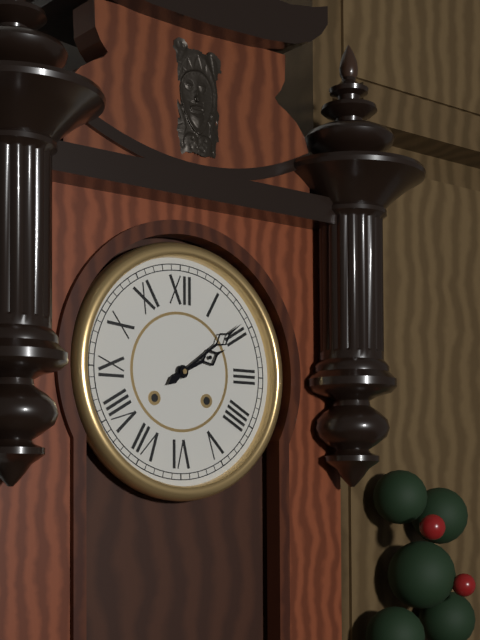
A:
2h09
